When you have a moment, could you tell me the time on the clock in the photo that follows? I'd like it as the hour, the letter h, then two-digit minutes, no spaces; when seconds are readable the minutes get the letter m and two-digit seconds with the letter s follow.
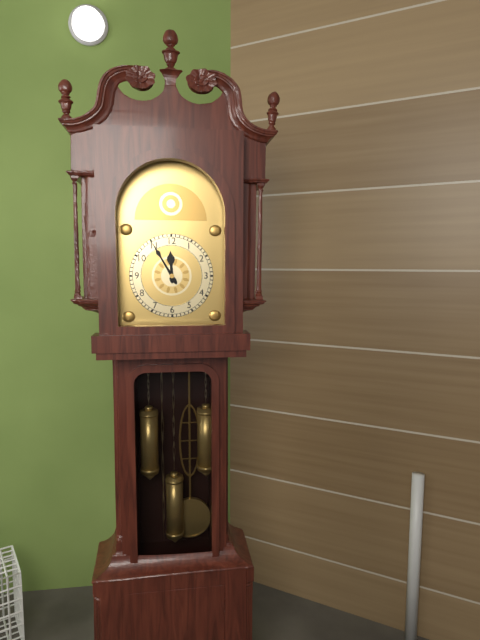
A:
11h55
